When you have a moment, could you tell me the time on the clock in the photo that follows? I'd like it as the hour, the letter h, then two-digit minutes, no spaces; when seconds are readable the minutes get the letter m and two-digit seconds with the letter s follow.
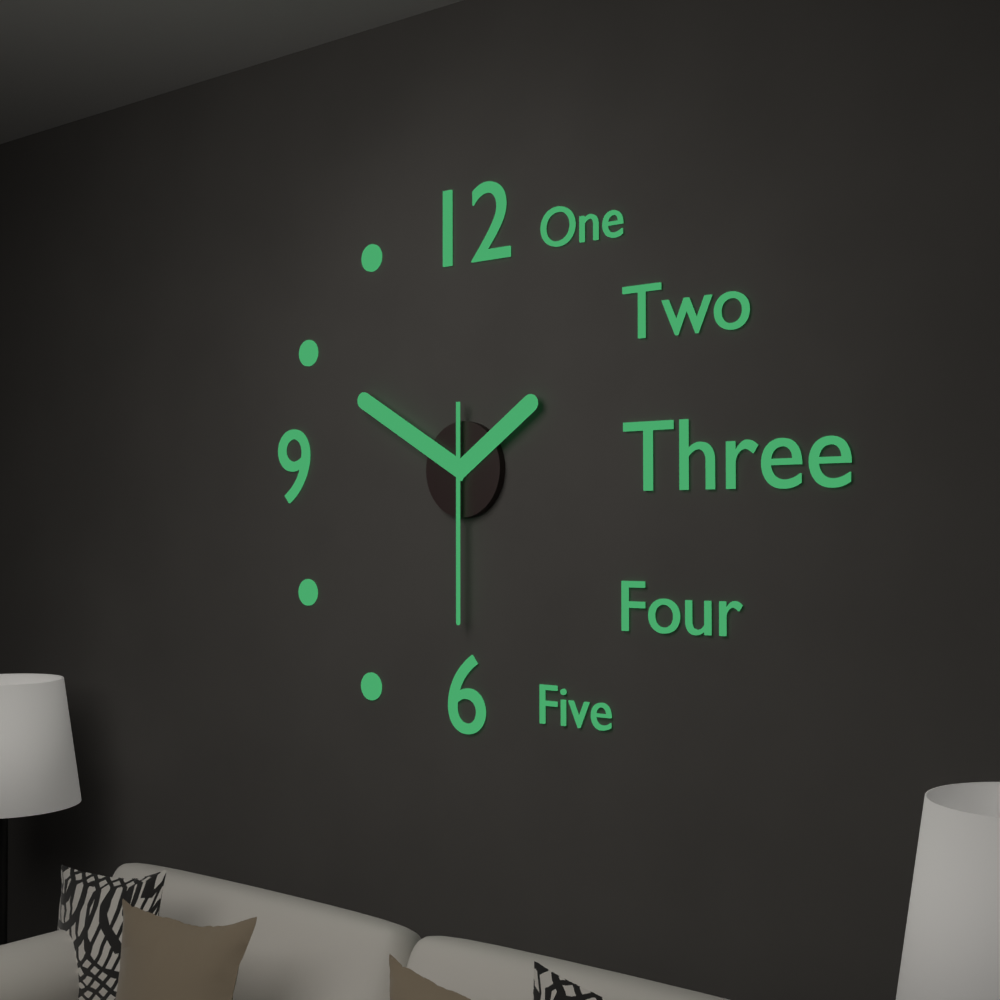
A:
1h50m30s
